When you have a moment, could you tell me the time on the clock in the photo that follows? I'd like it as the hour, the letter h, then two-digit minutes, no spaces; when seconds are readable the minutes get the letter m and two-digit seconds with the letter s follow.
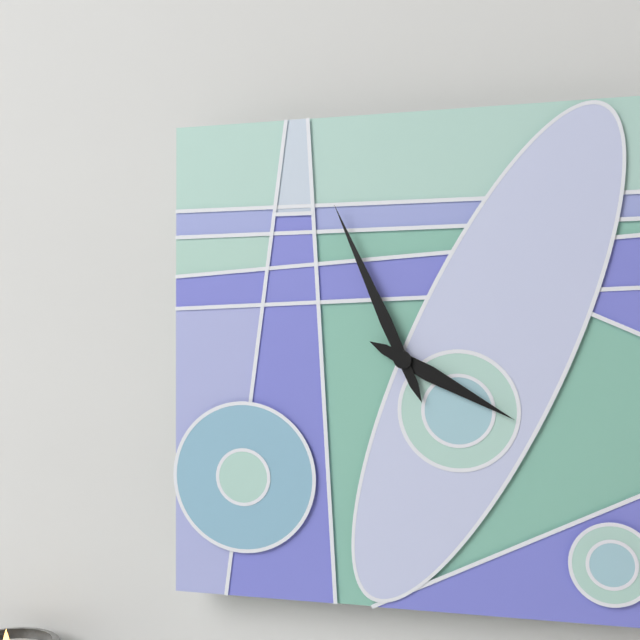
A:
3h56
